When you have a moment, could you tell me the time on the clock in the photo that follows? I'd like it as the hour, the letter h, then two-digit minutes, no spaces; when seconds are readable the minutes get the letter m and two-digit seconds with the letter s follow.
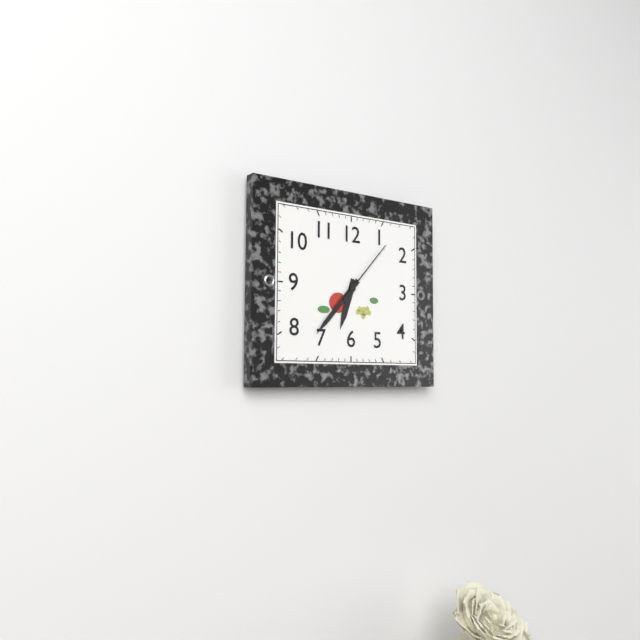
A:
6h37m07s
